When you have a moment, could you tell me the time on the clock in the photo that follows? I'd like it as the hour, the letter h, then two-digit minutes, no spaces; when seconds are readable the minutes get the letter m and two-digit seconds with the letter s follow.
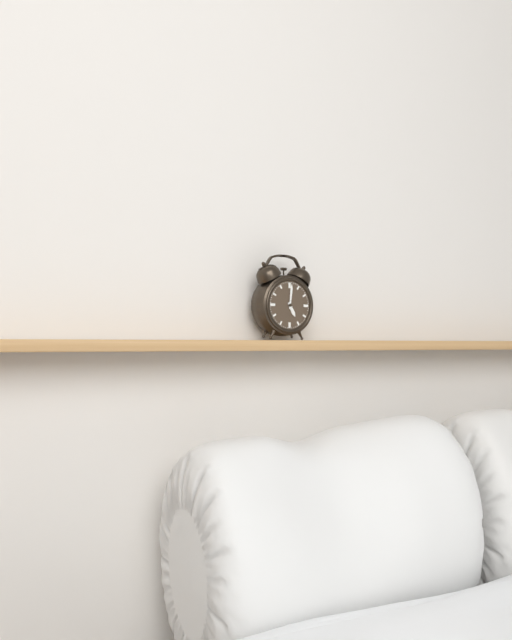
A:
5h01
